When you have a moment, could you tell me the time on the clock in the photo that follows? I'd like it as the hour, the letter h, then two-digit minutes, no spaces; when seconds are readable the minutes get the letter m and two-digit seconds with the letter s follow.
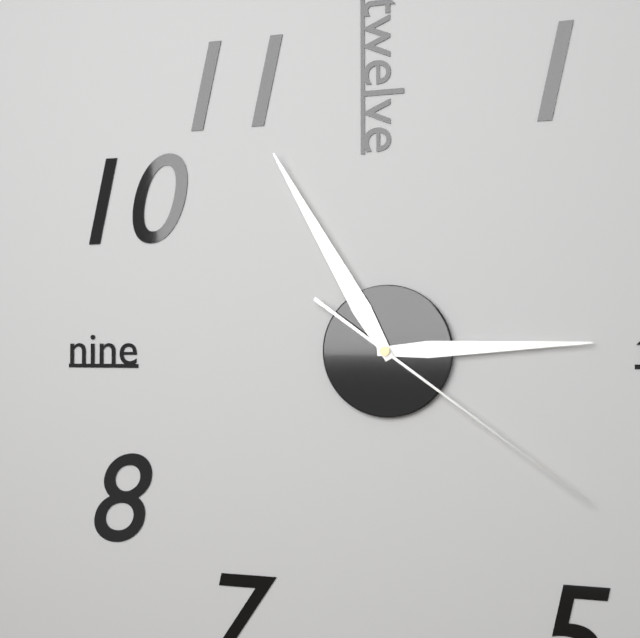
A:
2h55m21s
